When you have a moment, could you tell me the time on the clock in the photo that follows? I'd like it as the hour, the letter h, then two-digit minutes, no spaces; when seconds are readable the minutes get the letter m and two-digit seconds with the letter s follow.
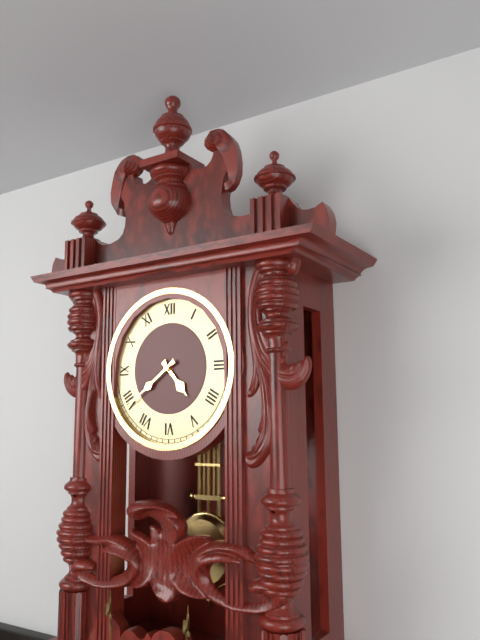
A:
4h39
